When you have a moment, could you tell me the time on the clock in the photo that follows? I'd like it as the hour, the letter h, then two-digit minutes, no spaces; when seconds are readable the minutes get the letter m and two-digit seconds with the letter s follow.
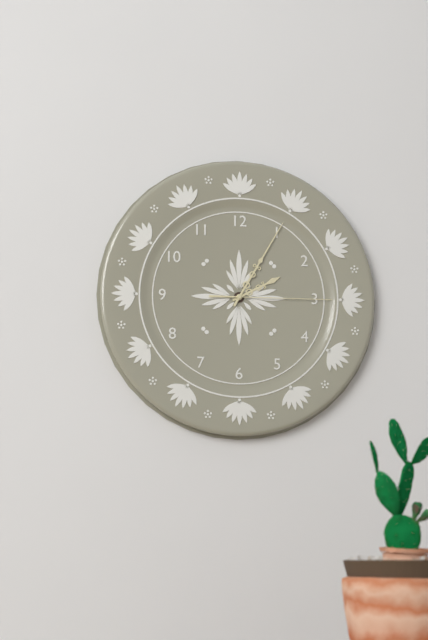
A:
2h05m15s
